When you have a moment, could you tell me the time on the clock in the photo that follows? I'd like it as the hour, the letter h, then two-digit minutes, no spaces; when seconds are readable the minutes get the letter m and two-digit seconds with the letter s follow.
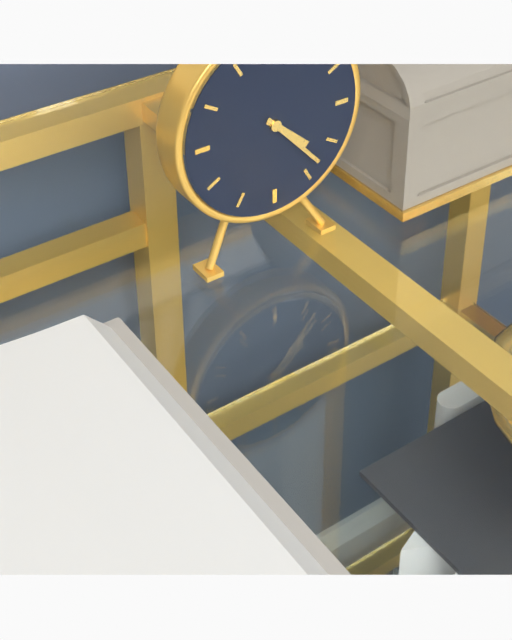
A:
4h23
